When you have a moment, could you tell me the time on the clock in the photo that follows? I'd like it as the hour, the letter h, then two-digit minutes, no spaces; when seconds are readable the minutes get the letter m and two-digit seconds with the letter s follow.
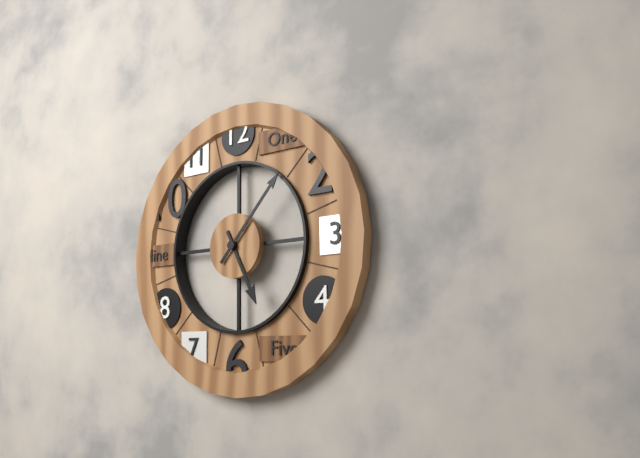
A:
5h07
